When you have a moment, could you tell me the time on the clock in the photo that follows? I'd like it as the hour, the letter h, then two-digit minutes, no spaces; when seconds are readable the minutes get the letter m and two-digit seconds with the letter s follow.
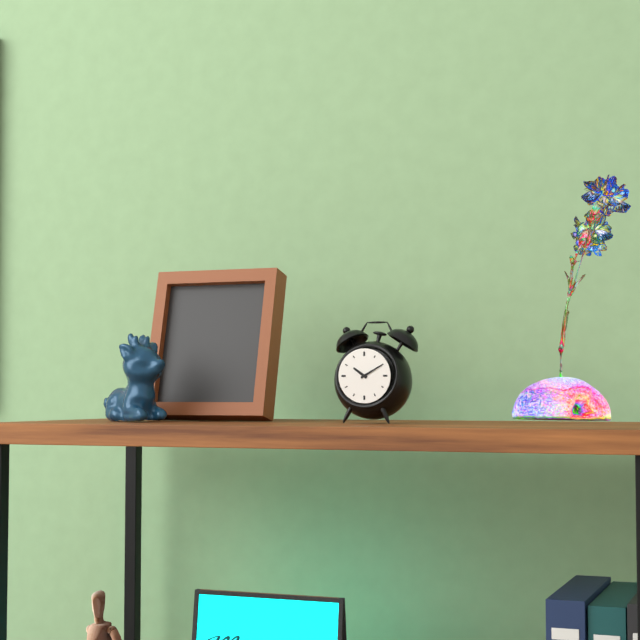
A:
10h10
